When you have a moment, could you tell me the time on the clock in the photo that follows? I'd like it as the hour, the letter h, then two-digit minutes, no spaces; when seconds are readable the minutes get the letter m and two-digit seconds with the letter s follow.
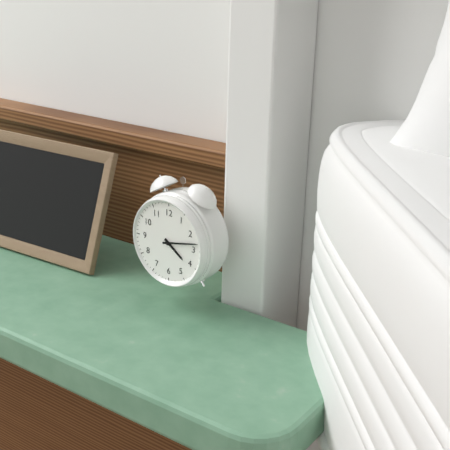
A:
4h13
